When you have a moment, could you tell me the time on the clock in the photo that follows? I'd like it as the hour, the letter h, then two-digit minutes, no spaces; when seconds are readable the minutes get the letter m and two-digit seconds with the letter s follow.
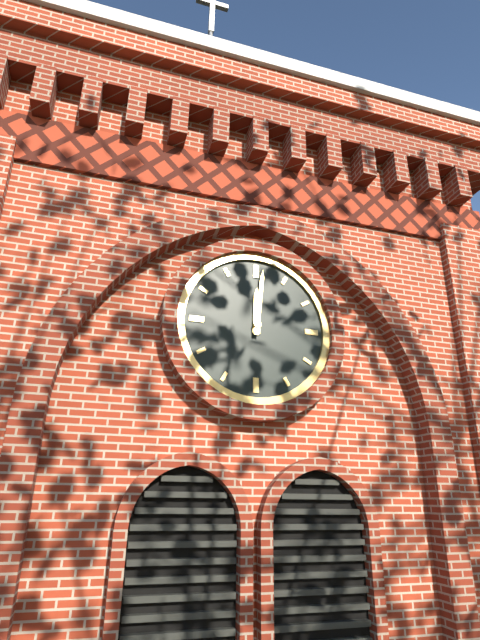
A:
12h01
